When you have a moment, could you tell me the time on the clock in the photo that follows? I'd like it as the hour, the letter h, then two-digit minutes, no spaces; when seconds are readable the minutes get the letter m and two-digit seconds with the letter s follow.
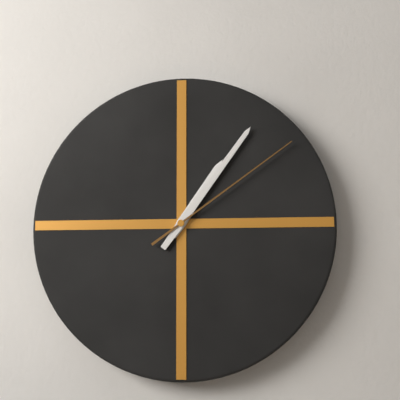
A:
1h06m09s
